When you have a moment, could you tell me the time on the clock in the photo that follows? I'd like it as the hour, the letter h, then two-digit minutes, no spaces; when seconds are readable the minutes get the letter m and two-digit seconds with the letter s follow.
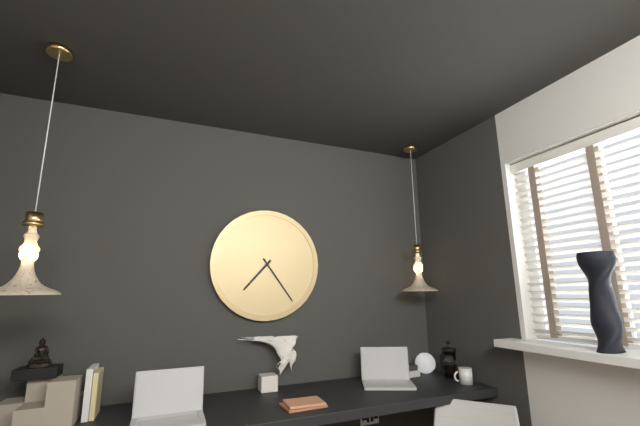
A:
7h24
